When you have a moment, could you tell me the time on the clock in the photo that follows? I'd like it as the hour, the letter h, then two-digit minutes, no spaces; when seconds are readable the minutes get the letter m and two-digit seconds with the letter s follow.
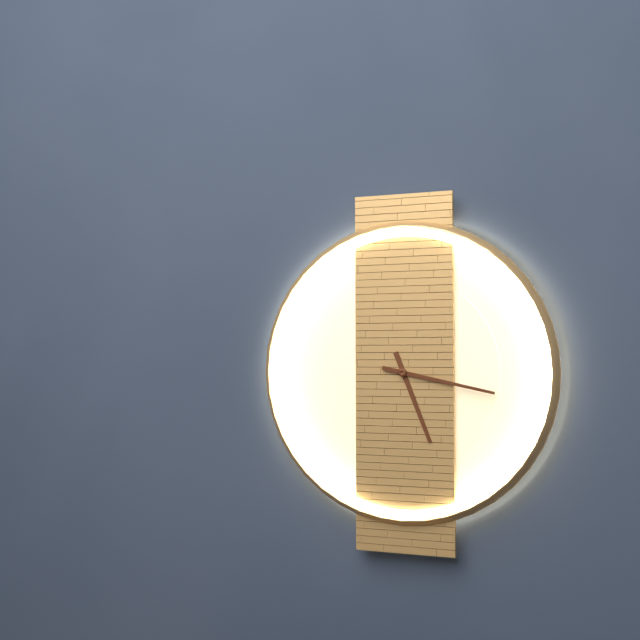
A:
5h17
